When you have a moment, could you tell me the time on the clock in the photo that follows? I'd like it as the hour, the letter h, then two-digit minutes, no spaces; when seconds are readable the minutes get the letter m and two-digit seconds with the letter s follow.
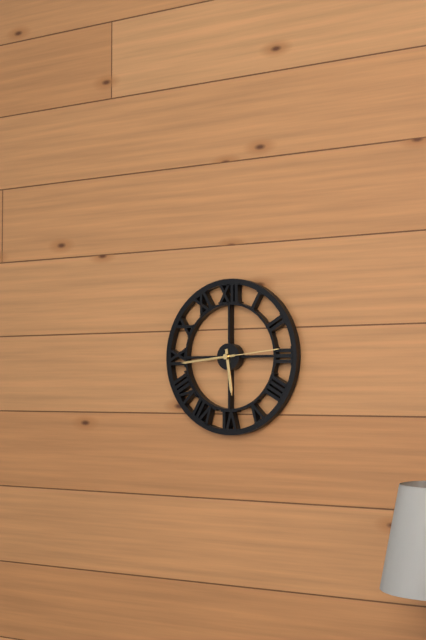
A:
5h44m14s
